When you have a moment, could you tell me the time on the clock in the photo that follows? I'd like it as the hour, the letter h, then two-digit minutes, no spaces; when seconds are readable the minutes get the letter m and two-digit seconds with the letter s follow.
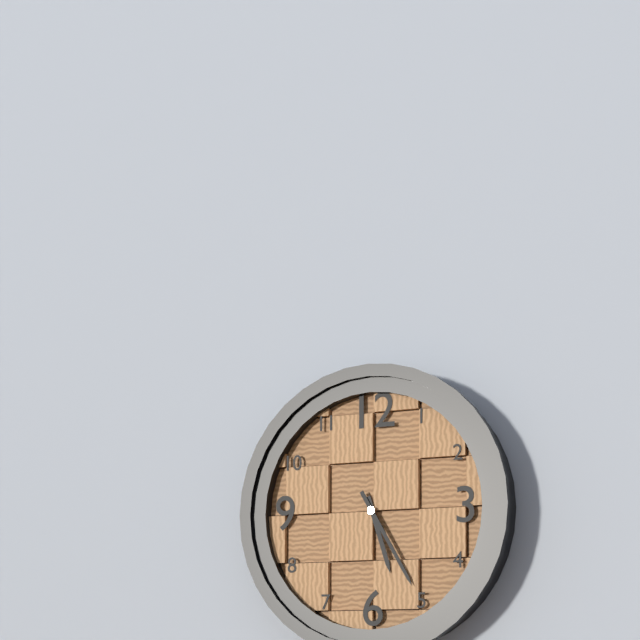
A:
5h25
